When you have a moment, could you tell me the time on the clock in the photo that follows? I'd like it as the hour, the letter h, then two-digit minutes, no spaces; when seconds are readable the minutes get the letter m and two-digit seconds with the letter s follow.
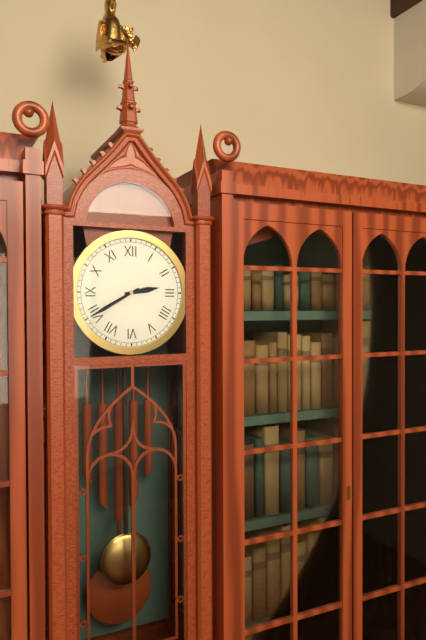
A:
2h40
